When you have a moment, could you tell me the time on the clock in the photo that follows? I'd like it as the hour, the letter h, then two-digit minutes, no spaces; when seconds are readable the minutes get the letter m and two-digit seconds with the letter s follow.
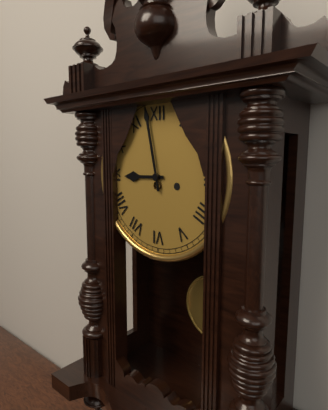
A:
8h58
